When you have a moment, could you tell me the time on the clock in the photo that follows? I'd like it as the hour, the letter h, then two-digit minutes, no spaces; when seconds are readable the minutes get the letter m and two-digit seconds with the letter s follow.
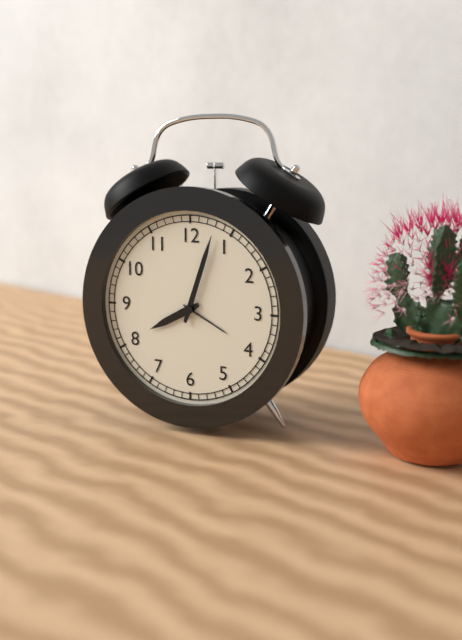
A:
8h03
